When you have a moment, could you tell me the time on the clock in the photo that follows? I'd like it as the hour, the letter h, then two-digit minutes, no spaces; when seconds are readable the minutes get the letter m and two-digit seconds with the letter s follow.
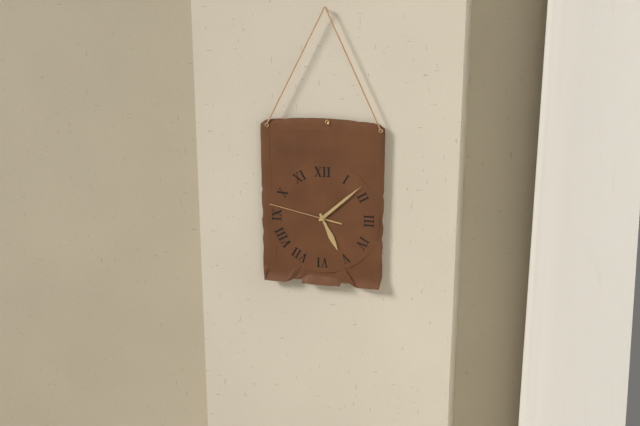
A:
5h08m47s
